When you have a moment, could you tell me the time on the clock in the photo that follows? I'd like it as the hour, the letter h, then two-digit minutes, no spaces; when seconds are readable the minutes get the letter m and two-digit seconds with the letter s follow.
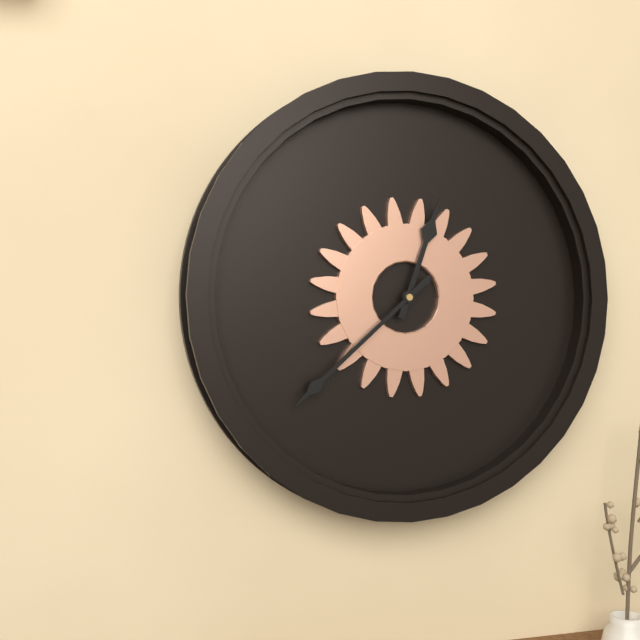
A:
12h38
